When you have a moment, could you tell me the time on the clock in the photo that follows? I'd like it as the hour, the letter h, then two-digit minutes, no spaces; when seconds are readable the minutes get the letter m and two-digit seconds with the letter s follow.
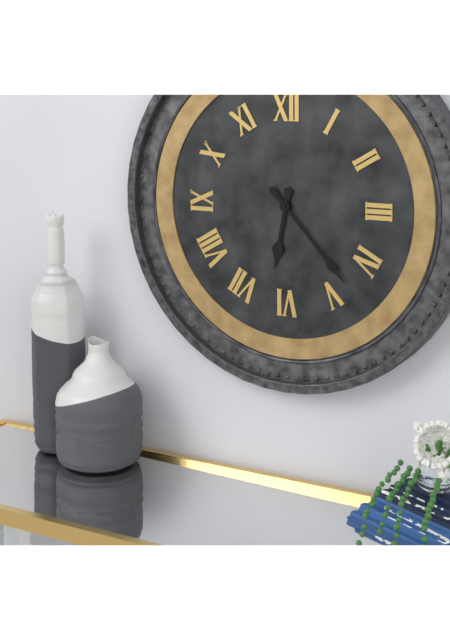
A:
6h23
